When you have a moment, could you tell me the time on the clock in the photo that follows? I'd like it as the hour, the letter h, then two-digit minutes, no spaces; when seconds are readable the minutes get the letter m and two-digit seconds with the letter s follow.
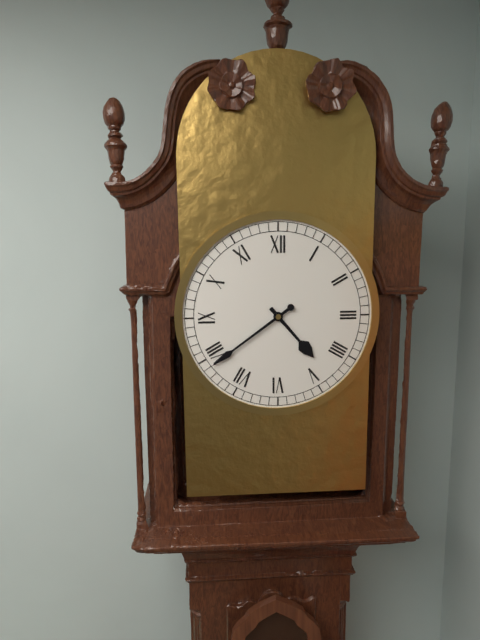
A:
4h39
